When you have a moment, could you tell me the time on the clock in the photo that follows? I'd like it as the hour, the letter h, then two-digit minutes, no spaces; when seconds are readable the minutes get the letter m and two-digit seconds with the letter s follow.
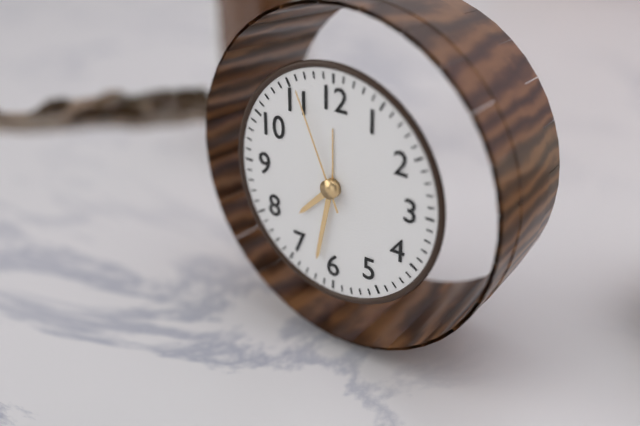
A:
7h32m56s
